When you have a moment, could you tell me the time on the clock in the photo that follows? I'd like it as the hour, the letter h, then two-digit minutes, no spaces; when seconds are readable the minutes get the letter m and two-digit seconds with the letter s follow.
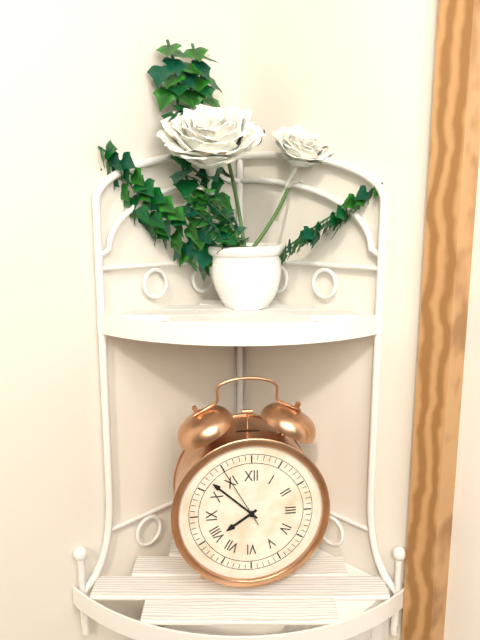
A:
7h52m55s
